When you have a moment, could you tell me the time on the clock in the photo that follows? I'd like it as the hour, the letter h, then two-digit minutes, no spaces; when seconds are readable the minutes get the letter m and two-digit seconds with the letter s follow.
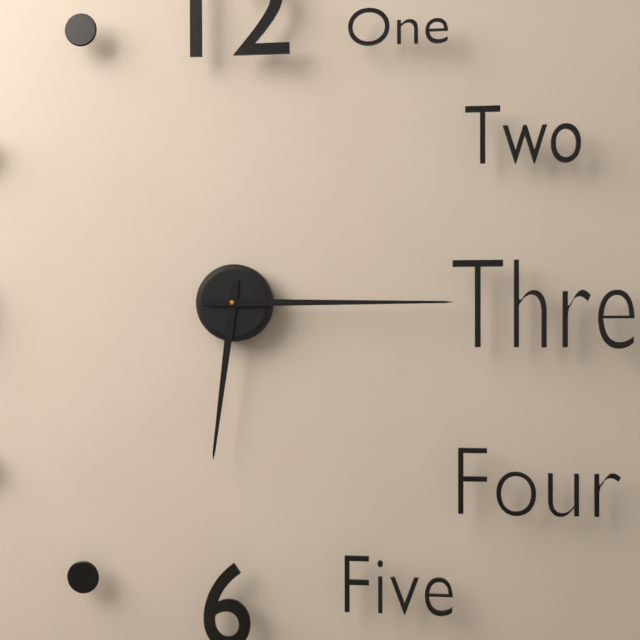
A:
6h15
